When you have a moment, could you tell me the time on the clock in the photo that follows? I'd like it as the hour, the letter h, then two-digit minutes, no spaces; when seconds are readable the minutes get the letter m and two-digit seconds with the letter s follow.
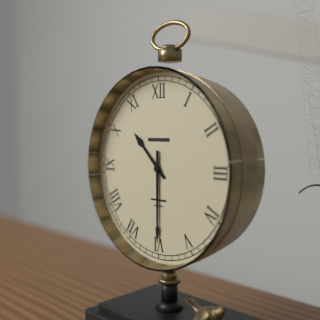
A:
10h30
